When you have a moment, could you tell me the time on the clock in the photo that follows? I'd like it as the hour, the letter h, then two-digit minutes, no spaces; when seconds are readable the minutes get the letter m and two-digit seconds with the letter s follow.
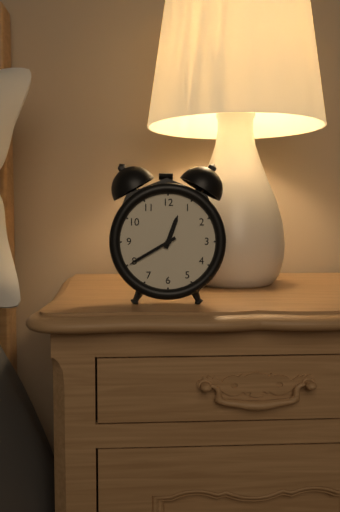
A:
12h40
